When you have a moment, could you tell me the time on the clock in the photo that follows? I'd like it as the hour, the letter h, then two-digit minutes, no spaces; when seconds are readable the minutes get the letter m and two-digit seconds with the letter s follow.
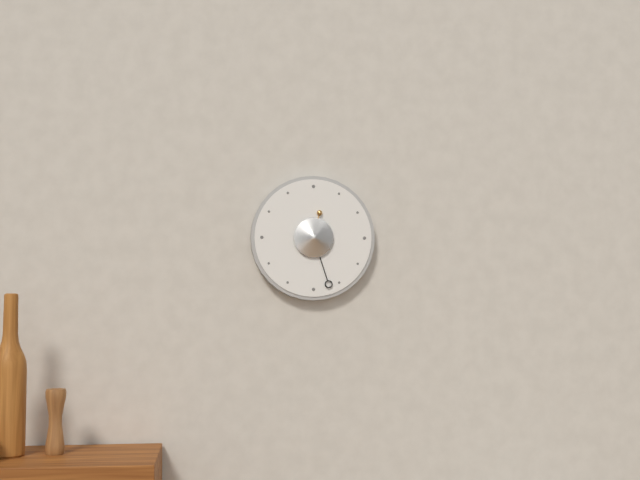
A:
12h27
